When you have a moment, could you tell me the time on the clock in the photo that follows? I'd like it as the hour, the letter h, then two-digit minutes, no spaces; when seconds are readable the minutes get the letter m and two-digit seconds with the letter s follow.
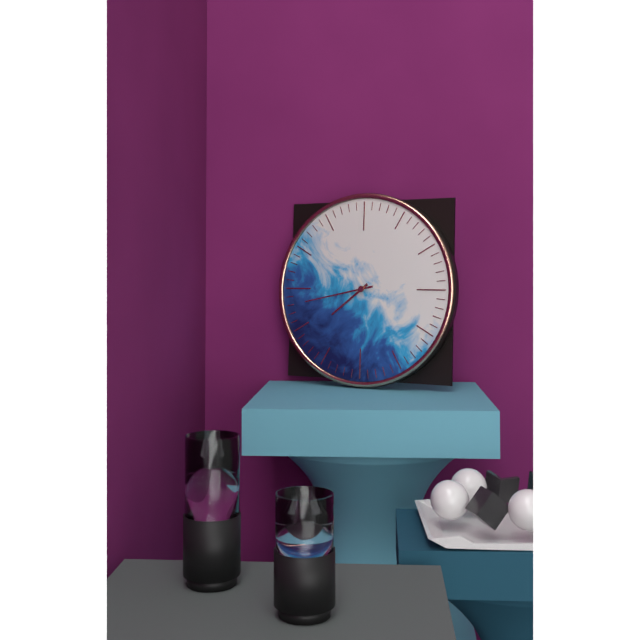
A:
7h43
